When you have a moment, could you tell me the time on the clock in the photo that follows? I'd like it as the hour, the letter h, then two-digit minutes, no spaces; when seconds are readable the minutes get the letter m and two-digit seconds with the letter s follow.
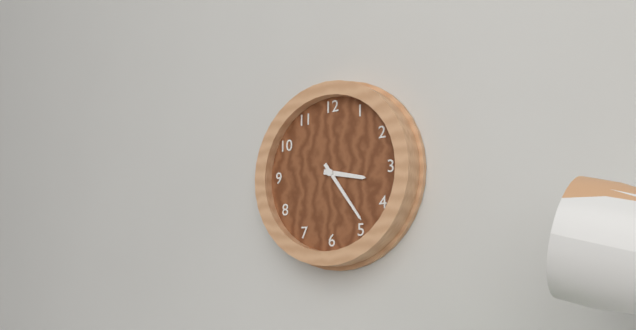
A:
3h24
